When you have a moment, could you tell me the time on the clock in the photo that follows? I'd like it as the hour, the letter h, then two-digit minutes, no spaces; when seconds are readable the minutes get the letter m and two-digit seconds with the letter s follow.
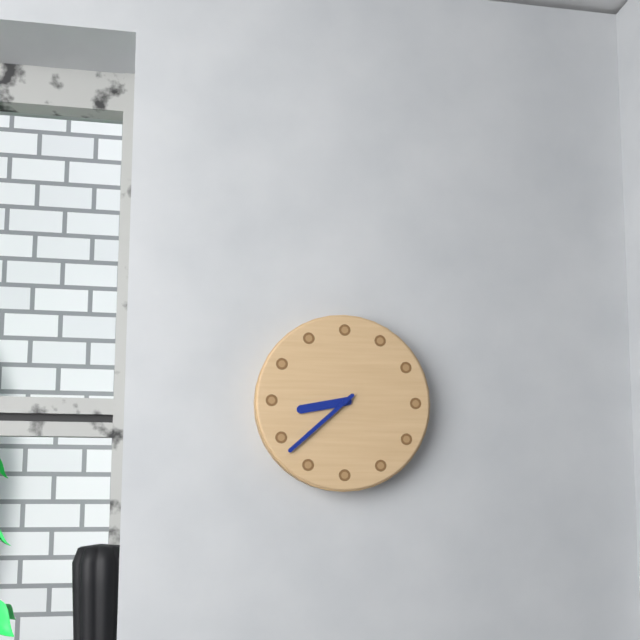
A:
8h38
